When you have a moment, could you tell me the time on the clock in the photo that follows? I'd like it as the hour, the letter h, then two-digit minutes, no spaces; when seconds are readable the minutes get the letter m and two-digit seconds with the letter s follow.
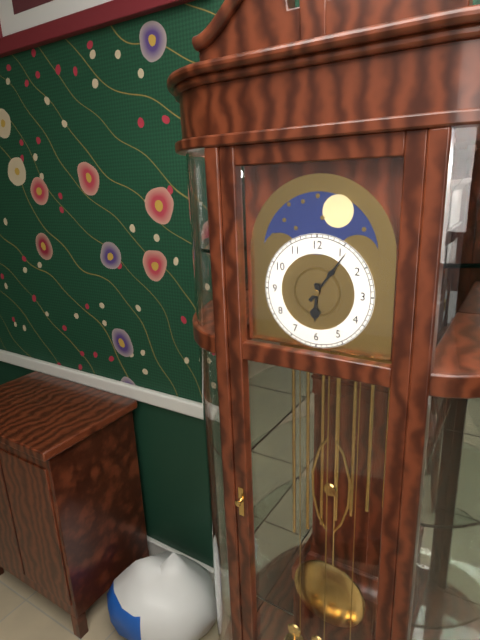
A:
6h06
